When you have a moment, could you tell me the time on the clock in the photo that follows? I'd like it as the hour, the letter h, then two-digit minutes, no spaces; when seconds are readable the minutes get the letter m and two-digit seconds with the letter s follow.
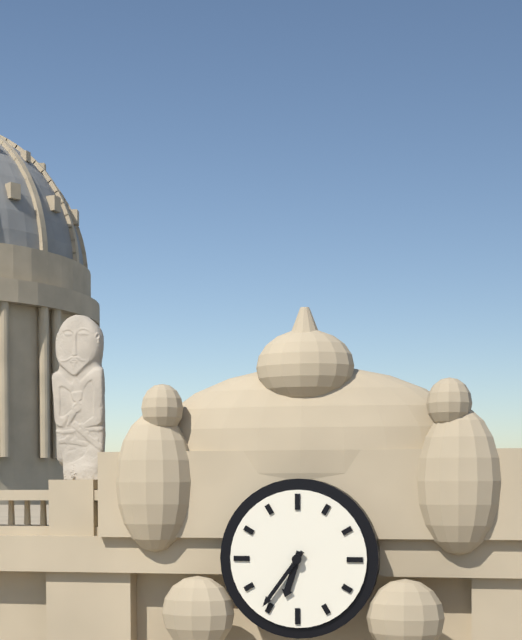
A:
6h36
